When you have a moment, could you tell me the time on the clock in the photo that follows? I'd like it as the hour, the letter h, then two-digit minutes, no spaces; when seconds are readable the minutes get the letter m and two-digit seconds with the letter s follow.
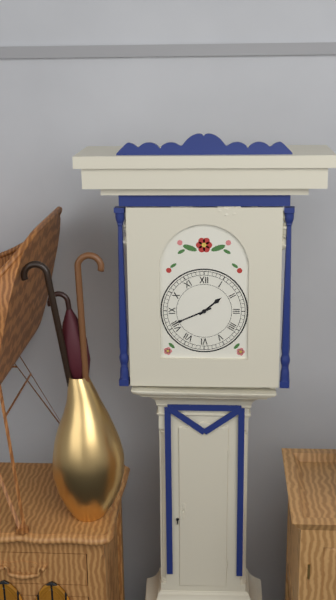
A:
1h41
